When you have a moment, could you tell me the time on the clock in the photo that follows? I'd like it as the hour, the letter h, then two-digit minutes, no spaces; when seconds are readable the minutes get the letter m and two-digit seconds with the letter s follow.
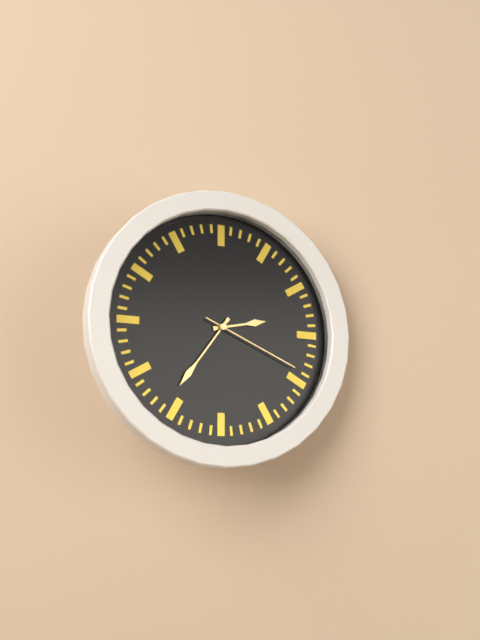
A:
2h36m19s
